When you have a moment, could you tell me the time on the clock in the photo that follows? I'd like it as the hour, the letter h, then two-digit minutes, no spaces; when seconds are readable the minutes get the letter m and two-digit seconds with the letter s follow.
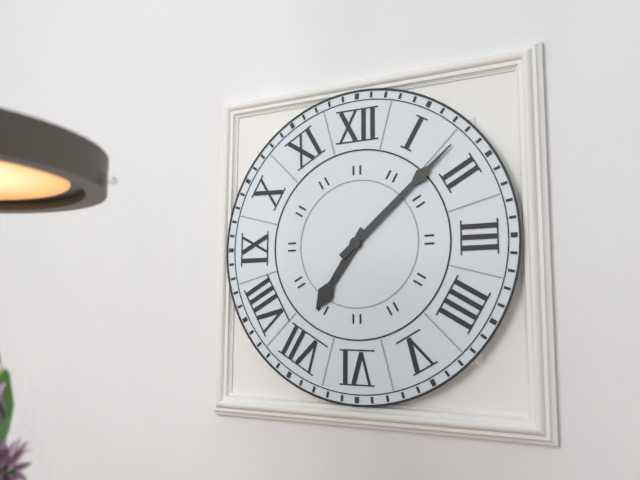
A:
7h08
